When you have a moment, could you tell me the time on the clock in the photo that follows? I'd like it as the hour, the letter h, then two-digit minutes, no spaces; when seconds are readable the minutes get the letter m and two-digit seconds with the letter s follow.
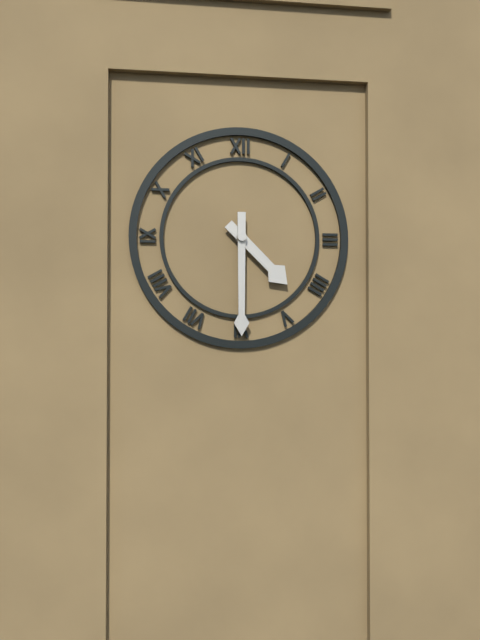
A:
4h30
